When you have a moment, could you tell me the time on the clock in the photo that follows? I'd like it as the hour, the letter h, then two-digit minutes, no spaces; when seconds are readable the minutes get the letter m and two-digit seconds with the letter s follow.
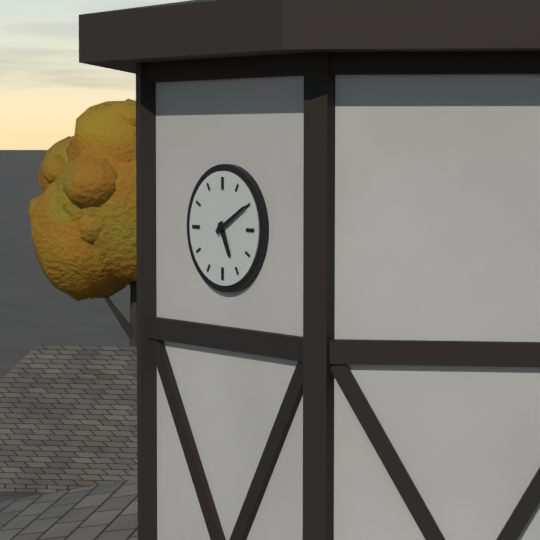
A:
5h10
